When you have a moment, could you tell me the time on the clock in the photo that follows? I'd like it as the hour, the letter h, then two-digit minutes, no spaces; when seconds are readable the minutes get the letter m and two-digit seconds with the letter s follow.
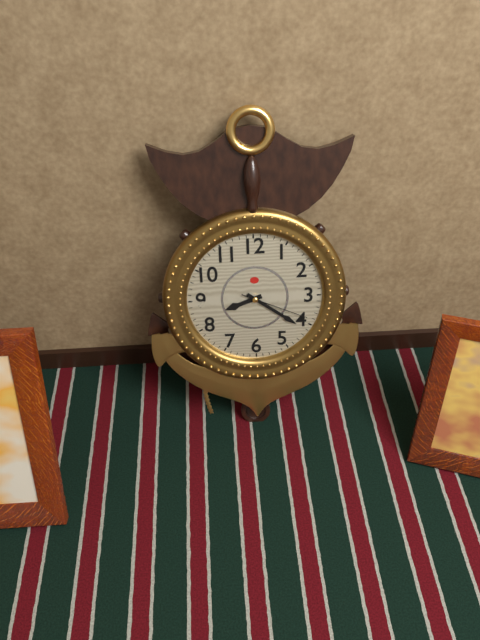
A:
8h21m19s
